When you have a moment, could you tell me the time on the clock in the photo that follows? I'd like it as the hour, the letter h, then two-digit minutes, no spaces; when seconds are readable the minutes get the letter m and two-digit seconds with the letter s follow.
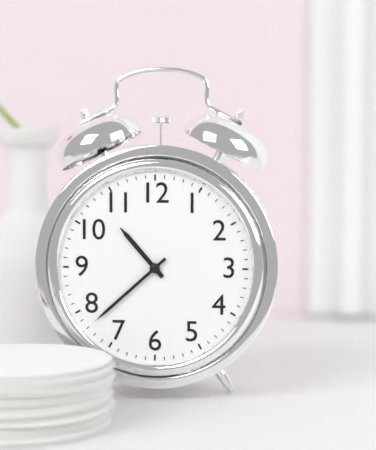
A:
10h38
